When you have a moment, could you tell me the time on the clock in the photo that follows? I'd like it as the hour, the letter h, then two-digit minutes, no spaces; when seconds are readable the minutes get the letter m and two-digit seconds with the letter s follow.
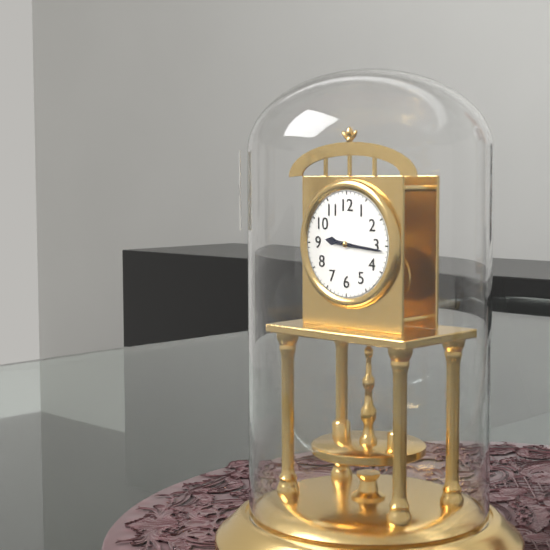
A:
9h16
